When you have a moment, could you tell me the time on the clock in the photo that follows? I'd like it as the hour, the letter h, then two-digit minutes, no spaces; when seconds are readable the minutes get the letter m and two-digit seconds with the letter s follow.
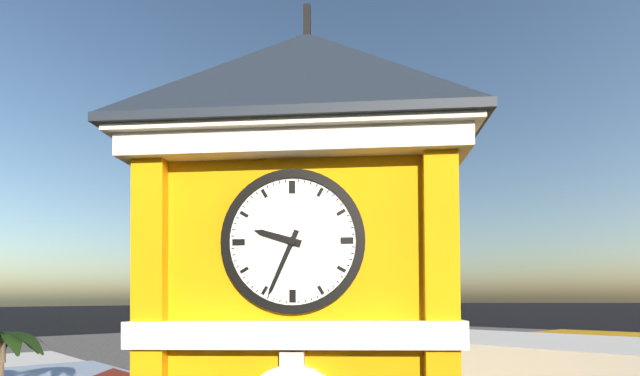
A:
9h34
